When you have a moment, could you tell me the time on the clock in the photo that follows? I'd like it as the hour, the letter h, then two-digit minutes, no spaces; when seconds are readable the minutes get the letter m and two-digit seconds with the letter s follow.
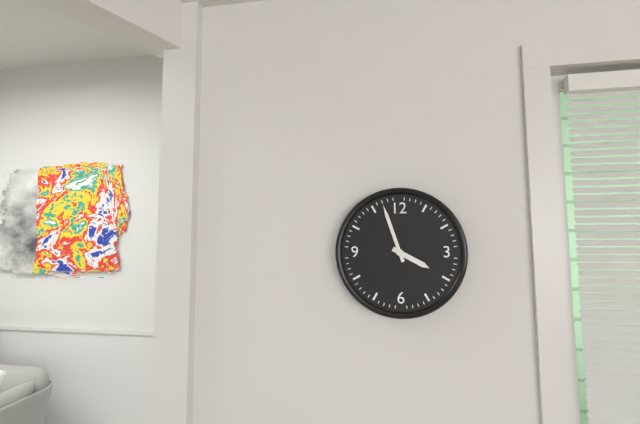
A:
3h57
